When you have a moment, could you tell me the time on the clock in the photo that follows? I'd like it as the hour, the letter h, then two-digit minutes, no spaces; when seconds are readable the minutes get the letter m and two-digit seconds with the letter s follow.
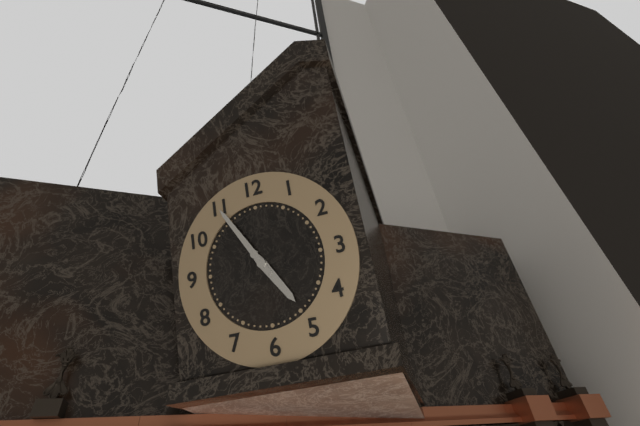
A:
4h55
